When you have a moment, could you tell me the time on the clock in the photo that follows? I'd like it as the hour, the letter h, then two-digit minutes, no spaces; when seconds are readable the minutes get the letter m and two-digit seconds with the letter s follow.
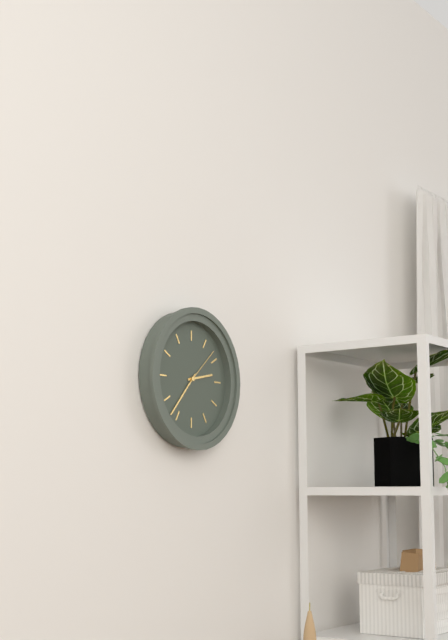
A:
2h37
